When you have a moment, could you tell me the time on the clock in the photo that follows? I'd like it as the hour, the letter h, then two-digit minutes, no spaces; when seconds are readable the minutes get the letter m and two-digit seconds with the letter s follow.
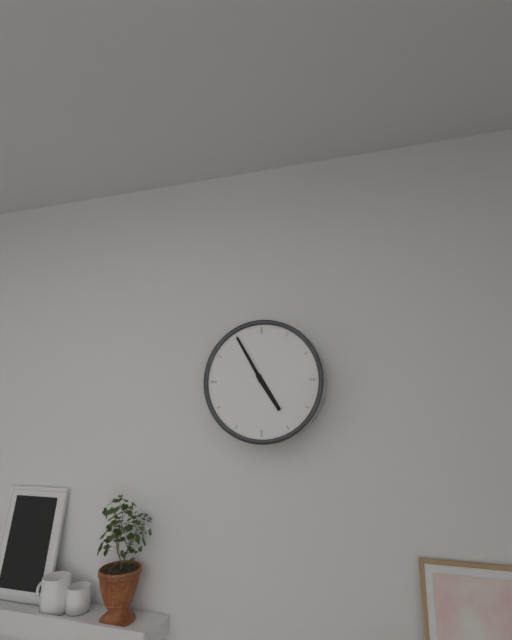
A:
4h55
